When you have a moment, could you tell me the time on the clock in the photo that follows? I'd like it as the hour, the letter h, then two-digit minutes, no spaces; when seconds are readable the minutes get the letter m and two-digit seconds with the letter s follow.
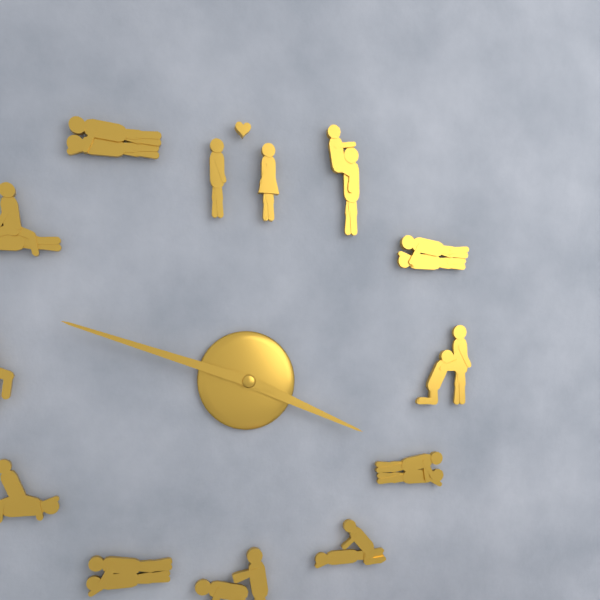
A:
3h48
